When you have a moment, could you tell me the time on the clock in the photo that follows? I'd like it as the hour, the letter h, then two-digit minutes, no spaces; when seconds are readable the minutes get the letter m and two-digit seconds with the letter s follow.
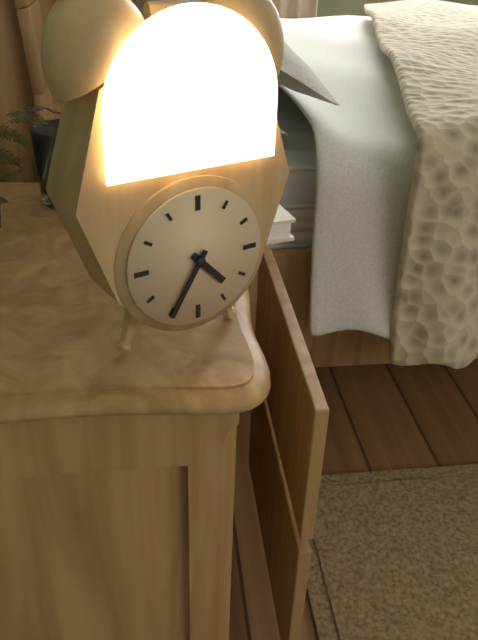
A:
4h35
